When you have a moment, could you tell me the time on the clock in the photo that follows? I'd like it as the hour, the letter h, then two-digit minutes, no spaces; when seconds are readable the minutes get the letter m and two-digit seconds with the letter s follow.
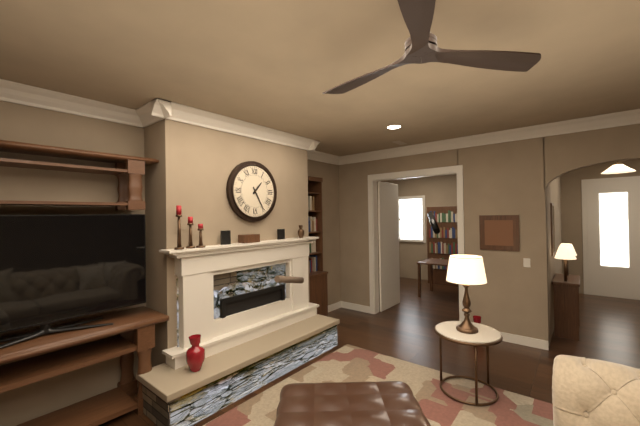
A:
1h25
